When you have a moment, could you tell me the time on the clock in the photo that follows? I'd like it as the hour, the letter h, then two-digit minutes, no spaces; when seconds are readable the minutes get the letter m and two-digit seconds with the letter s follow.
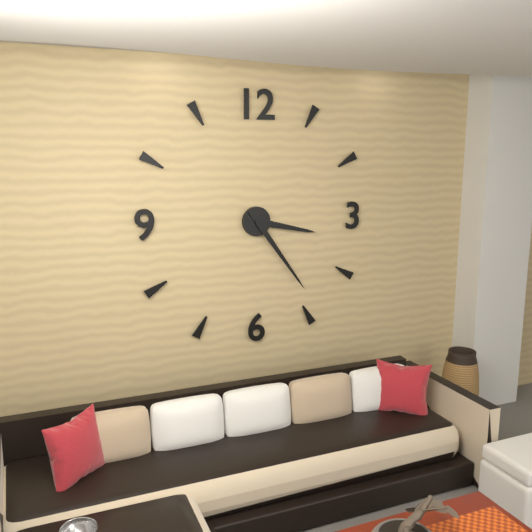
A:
3h24
